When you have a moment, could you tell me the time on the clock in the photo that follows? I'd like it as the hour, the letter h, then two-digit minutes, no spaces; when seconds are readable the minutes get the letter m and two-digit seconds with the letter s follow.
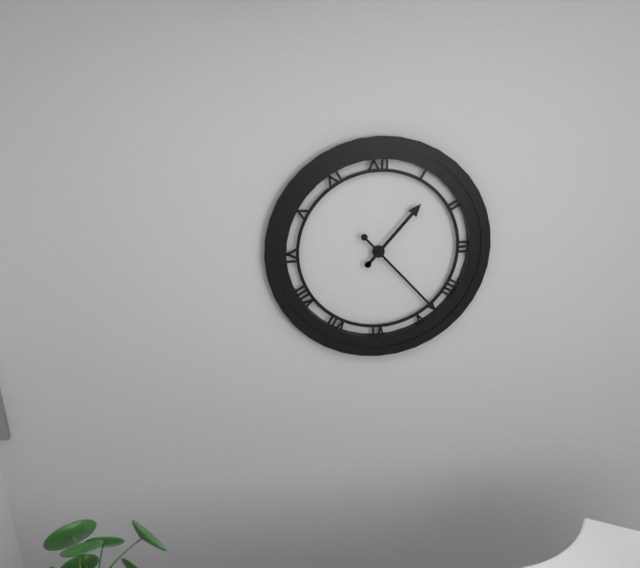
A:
1h23
